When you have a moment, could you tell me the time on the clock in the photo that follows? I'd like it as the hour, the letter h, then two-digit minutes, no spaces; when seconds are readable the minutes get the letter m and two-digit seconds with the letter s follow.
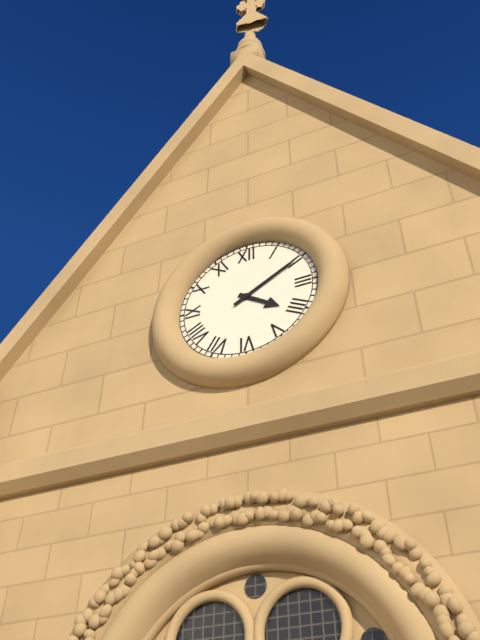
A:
4h10
